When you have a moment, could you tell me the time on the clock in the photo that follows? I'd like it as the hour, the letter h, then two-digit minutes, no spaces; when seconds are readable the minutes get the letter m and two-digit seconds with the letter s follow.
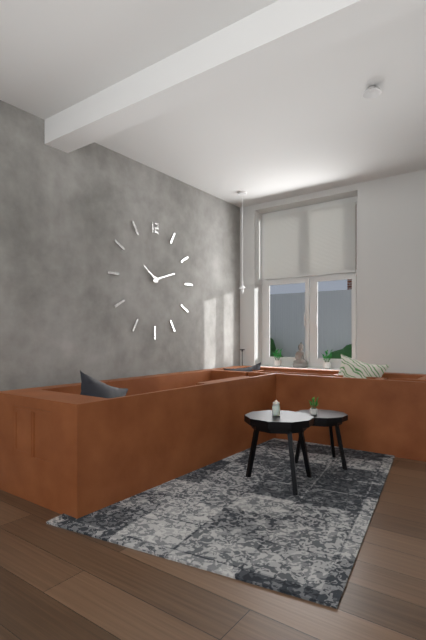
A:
10h12
